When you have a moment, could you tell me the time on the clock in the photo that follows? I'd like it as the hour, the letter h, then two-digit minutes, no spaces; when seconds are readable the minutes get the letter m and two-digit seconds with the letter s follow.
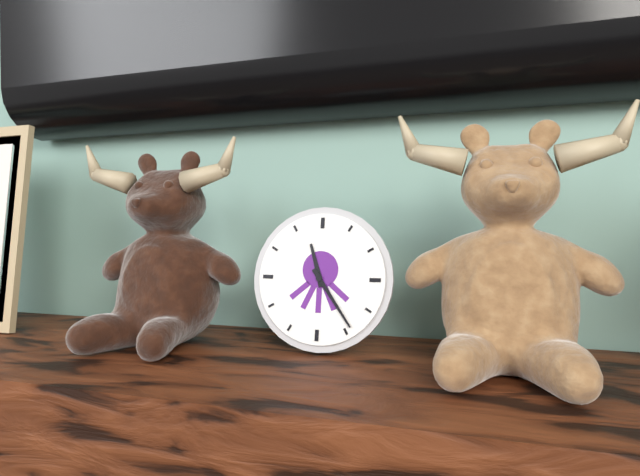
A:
11h24
